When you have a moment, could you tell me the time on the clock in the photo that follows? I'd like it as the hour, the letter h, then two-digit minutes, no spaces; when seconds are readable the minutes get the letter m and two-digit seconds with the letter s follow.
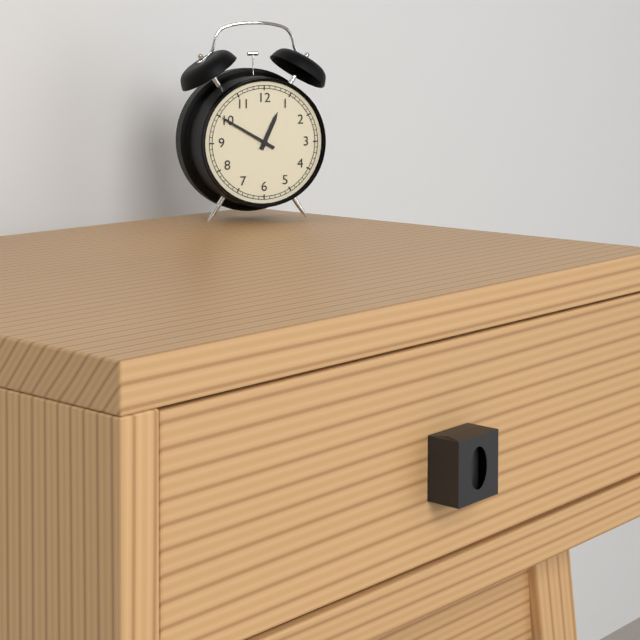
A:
12h50
